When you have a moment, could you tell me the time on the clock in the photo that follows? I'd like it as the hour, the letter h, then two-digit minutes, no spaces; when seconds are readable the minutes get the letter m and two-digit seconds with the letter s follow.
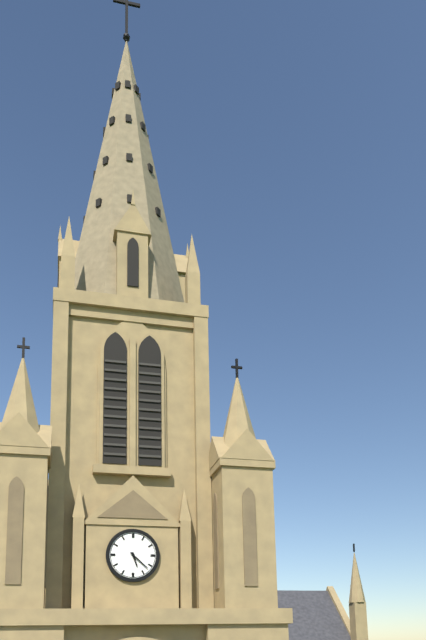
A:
5h22
